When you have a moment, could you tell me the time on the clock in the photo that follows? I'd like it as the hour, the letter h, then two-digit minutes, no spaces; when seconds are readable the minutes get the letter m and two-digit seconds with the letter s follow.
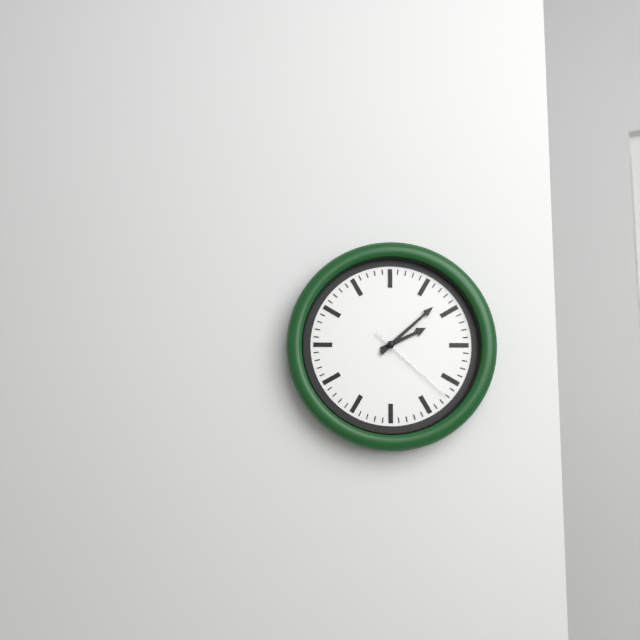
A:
2h08m22s
